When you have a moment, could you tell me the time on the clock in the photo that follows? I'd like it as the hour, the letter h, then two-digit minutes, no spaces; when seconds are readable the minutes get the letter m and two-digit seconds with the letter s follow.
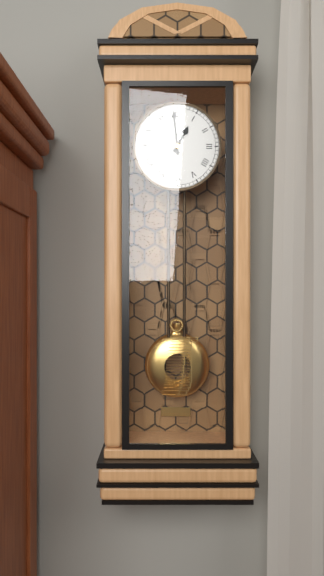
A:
12h59
